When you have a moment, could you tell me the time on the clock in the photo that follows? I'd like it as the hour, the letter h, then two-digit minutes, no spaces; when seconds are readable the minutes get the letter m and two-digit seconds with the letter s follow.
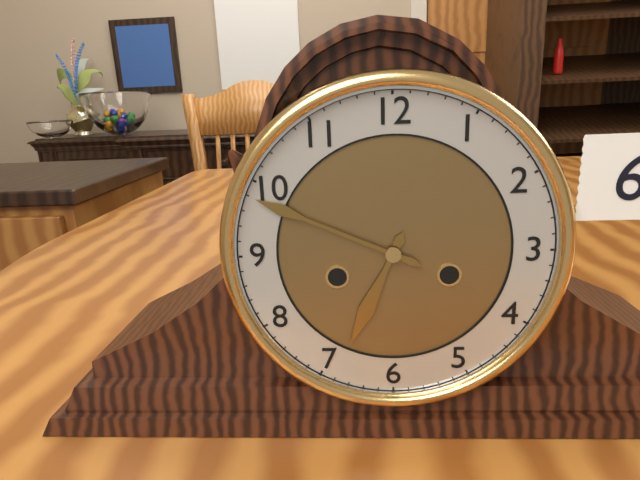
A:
6h49
